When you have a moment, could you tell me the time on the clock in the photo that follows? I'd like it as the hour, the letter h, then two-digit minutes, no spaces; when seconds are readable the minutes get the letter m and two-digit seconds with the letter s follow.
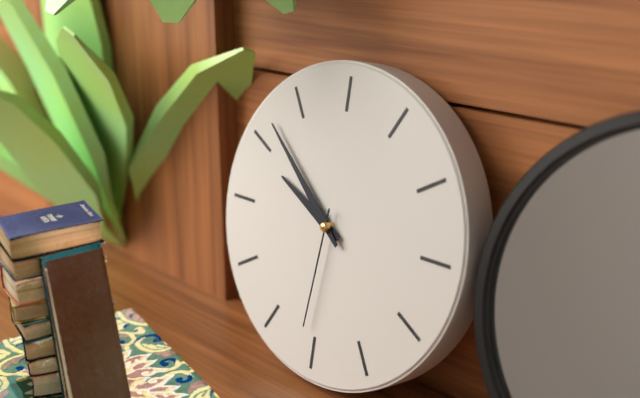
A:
9h52m31s
